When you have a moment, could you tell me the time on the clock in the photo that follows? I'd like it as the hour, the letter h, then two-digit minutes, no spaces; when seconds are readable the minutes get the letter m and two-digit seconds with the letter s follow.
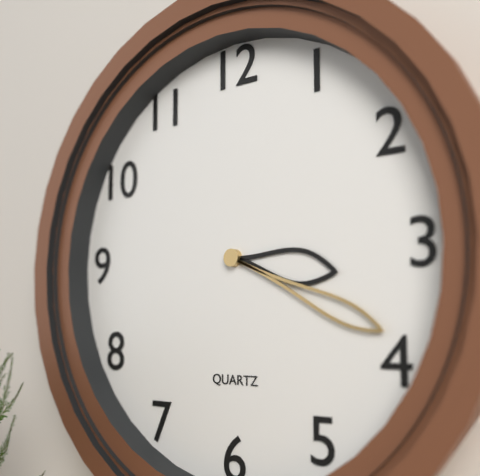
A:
3h19
